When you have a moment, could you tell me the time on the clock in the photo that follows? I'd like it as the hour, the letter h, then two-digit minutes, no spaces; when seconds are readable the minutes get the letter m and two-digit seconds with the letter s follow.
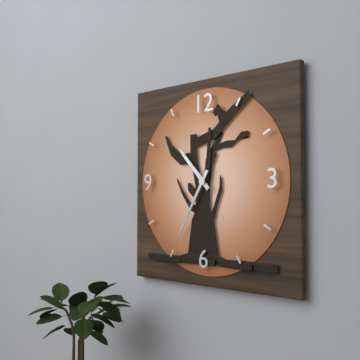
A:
10h35
